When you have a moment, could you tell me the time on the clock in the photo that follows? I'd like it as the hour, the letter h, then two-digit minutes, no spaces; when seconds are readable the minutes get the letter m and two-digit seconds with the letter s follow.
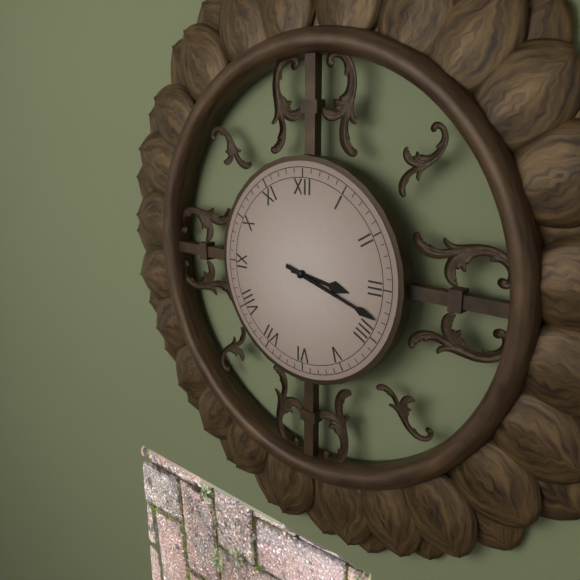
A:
3h18
